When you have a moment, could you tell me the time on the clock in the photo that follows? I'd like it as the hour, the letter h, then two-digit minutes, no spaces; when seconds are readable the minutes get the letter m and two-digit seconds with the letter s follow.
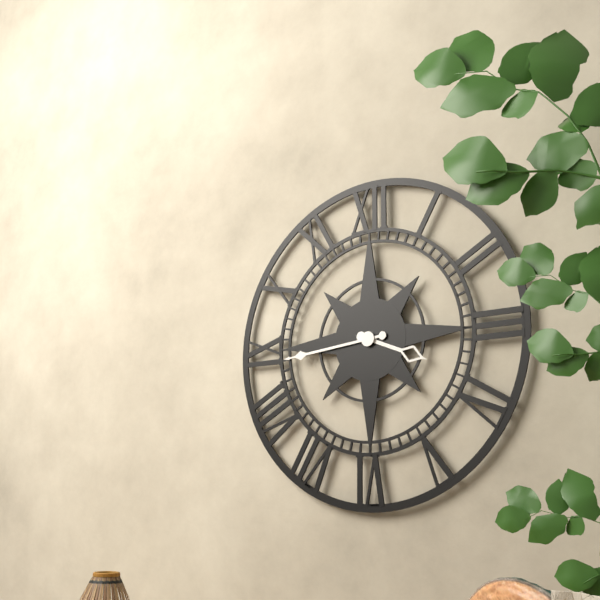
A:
3h44
